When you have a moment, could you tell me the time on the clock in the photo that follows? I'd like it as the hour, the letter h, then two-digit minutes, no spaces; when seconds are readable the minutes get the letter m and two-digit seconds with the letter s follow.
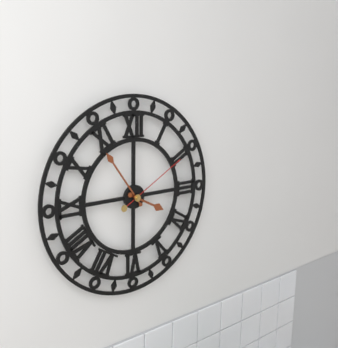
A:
3h54m10s
